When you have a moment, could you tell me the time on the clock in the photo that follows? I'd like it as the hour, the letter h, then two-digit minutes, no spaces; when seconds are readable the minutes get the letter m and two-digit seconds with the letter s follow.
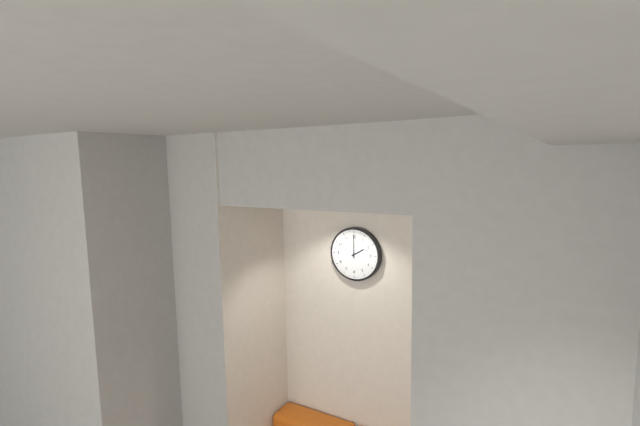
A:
2h00
